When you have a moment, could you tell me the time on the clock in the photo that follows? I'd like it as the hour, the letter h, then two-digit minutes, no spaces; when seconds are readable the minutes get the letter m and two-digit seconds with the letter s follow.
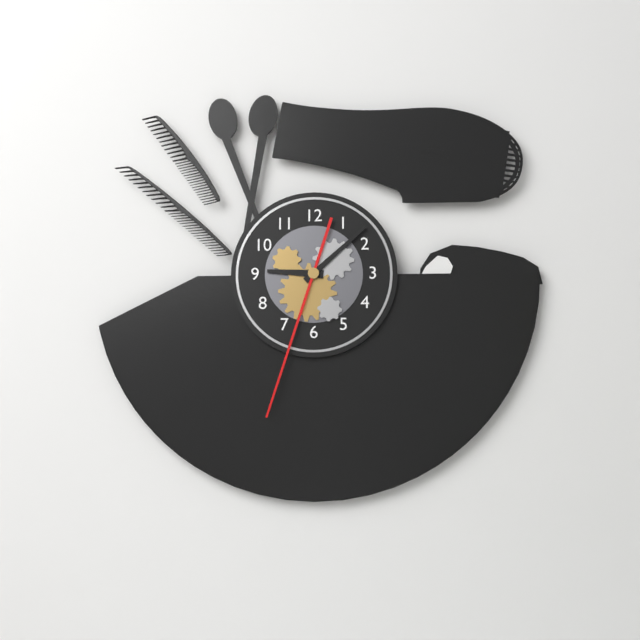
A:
9h08m33s
